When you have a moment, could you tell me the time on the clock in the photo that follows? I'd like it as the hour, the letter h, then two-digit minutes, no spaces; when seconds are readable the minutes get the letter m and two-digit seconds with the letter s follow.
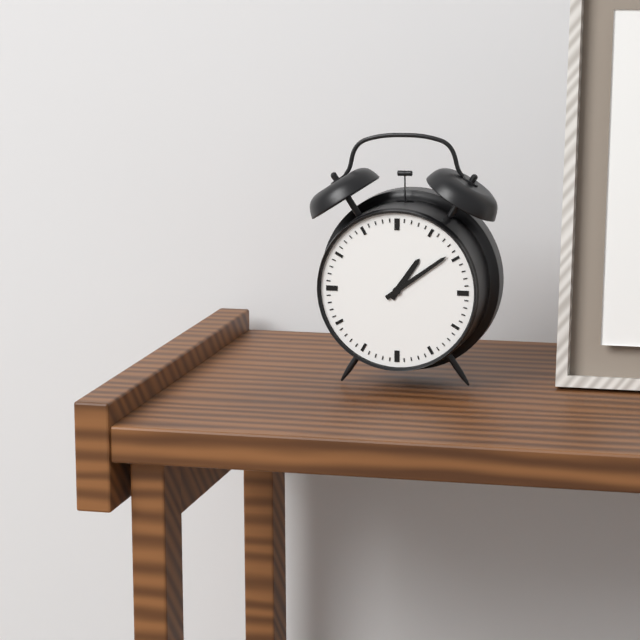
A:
1h09
